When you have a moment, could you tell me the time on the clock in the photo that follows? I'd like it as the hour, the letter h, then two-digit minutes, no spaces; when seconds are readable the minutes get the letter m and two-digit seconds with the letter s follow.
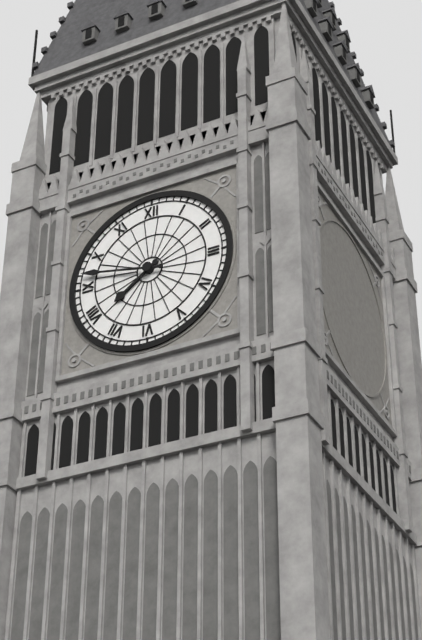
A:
7h47
